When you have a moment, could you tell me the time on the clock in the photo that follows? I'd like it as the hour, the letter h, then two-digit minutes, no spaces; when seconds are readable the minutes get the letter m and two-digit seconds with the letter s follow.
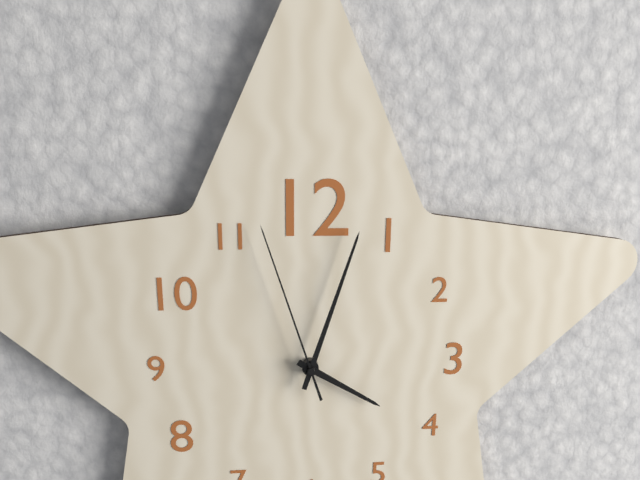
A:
4h03m57s
